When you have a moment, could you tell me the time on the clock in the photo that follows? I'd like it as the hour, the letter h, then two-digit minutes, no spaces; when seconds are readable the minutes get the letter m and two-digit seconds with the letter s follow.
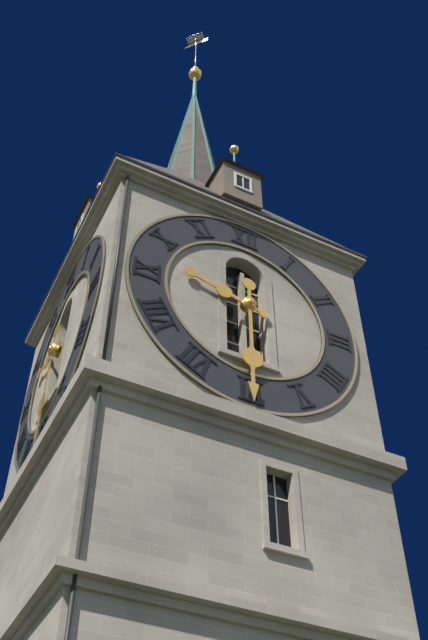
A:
9h30
